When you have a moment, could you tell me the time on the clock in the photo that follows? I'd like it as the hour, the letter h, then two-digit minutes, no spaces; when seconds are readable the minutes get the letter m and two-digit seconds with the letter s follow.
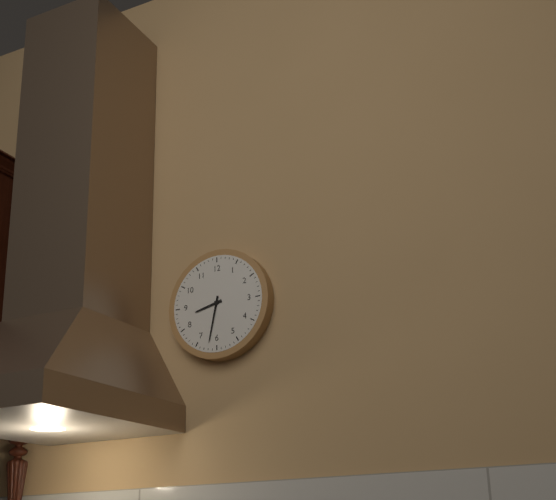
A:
8h32
